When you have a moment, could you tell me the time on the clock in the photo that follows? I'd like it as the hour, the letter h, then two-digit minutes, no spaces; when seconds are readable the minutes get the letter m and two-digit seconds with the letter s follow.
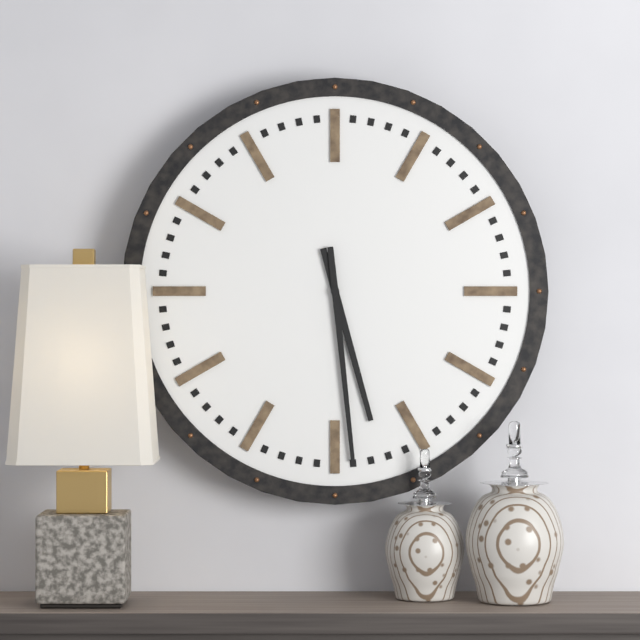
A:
5h29
